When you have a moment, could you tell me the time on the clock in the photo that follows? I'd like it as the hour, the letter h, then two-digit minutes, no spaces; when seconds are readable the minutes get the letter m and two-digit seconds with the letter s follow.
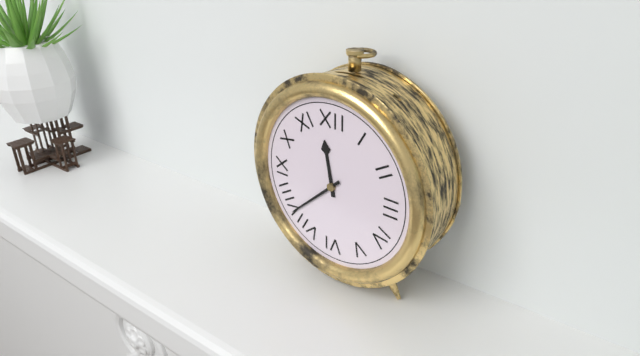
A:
11h38
